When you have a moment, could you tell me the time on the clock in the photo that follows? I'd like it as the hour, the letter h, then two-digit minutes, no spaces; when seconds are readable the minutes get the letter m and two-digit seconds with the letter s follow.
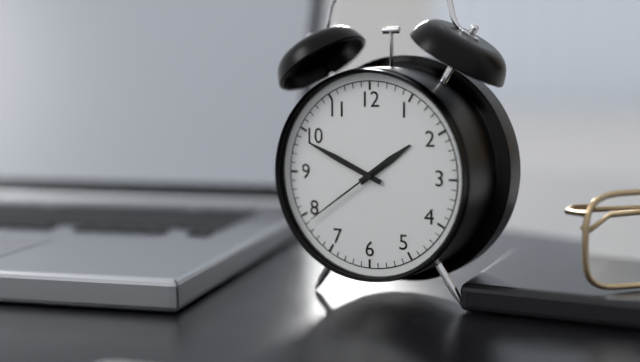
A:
1h49m39s
